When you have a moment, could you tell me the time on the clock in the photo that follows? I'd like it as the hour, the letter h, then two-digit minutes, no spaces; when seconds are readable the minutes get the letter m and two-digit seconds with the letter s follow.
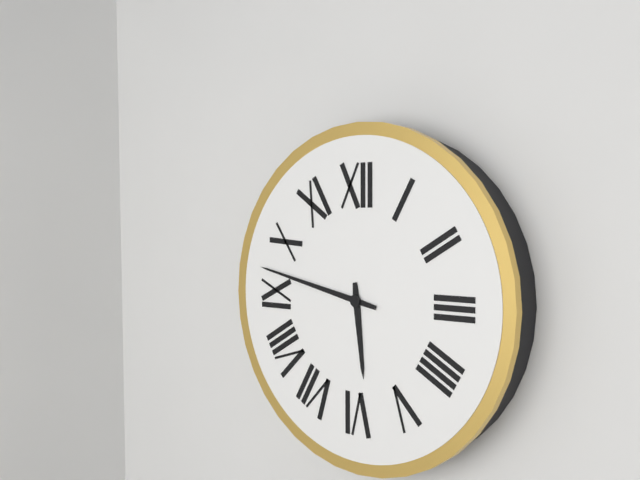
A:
5h47
